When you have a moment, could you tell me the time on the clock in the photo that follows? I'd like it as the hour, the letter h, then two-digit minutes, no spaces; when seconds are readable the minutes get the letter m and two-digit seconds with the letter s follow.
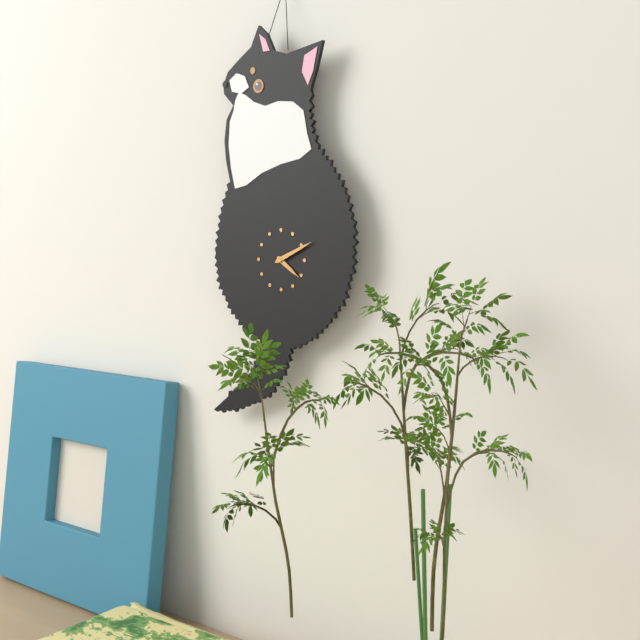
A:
4h11
